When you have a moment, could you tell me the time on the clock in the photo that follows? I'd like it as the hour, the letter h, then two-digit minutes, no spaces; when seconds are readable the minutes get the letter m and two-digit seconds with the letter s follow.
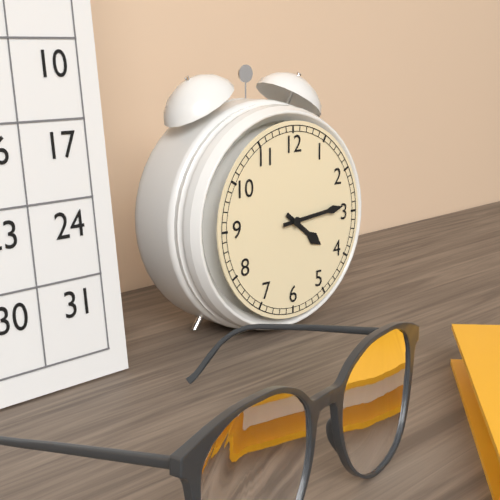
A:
4h14
